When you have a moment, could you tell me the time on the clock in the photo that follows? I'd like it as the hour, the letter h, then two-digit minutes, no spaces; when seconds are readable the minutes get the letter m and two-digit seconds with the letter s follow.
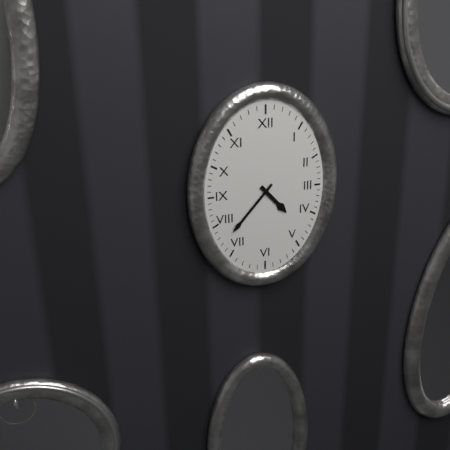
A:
4h37
